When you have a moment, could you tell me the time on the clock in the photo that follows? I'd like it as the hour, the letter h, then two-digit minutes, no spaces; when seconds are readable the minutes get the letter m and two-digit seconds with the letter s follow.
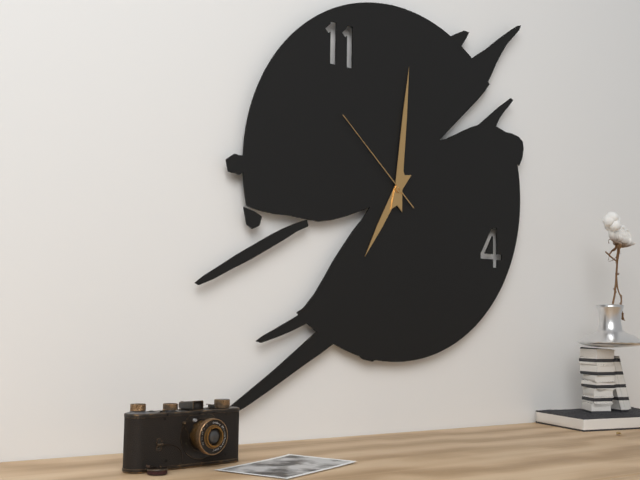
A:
7h01m52s
